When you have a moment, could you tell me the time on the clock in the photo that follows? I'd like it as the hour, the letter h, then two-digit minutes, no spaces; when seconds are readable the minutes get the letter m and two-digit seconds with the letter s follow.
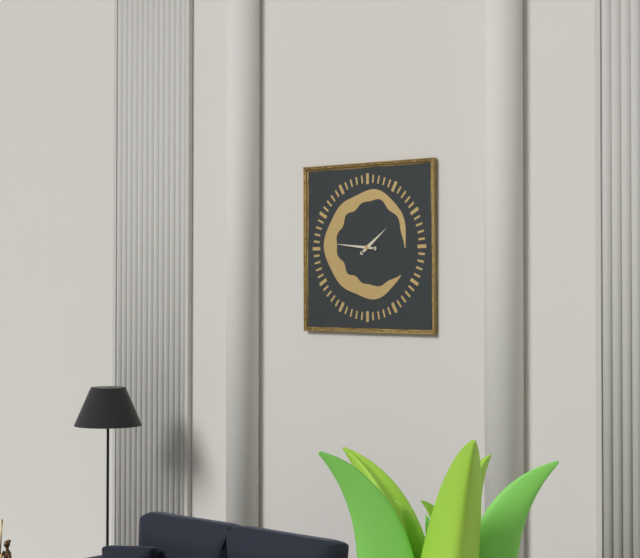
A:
1h46
